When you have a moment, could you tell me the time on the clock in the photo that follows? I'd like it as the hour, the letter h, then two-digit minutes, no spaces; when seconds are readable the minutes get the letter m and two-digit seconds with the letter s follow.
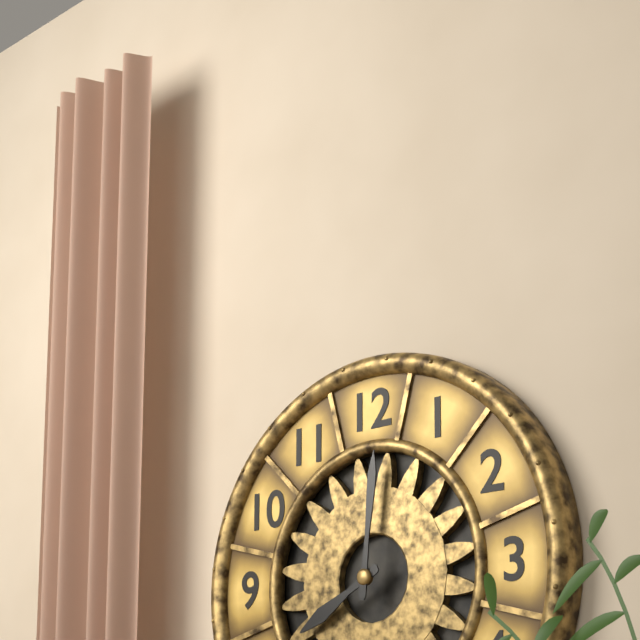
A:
8h01
